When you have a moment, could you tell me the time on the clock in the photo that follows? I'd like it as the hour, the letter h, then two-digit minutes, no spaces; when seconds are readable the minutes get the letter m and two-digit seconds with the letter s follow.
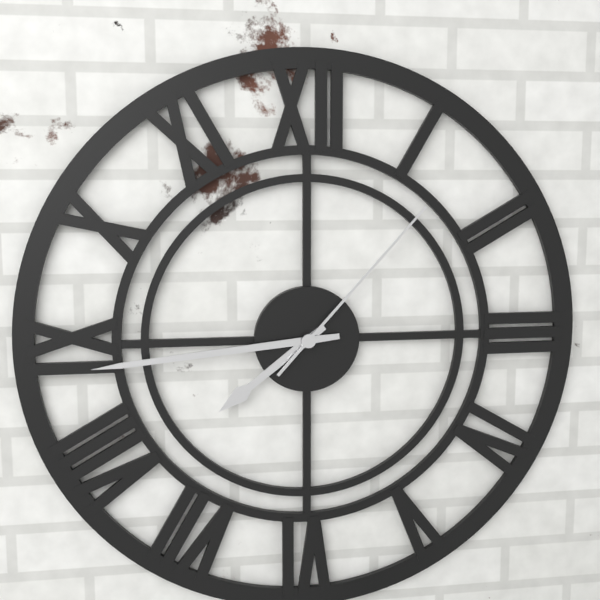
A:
7h44m07s
